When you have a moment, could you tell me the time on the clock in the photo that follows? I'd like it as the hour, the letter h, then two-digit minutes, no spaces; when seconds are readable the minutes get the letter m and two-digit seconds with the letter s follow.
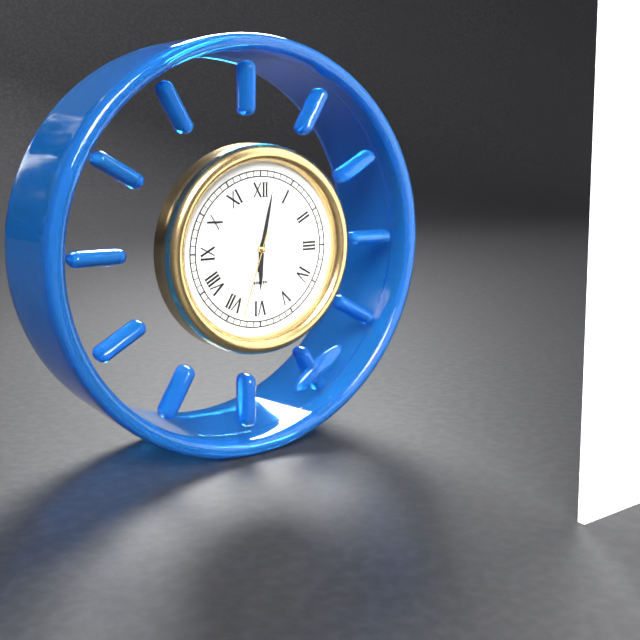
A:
6h02m33s
